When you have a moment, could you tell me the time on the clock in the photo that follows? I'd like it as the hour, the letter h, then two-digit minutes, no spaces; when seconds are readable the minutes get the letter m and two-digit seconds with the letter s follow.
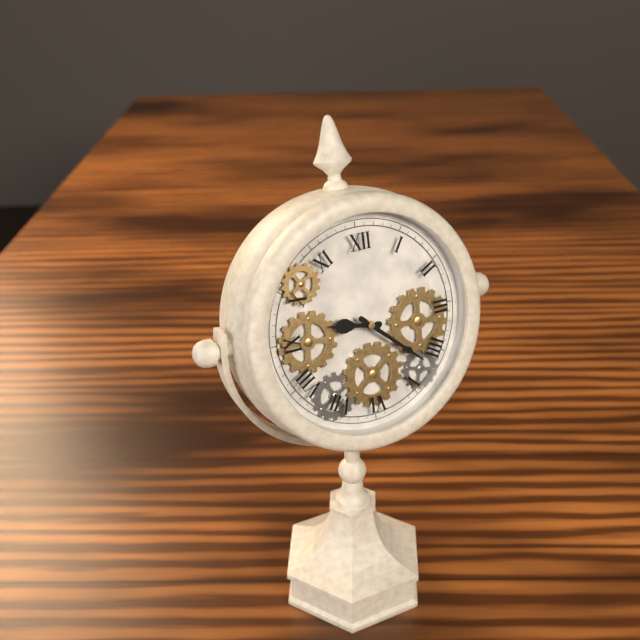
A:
9h22
